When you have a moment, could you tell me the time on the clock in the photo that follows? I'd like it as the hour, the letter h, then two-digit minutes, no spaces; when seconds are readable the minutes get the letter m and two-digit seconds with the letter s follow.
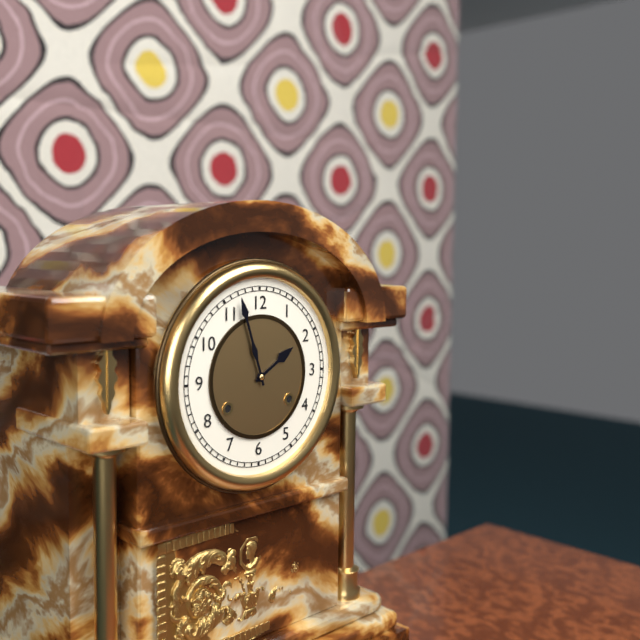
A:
1h57
